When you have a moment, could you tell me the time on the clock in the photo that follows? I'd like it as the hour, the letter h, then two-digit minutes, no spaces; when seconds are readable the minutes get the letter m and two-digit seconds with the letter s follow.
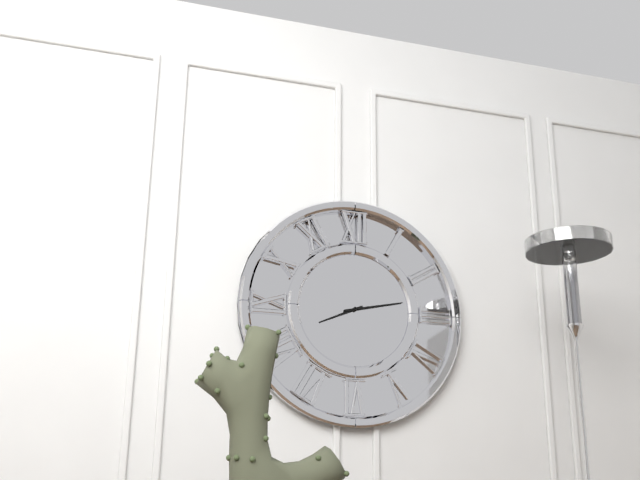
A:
8h13
